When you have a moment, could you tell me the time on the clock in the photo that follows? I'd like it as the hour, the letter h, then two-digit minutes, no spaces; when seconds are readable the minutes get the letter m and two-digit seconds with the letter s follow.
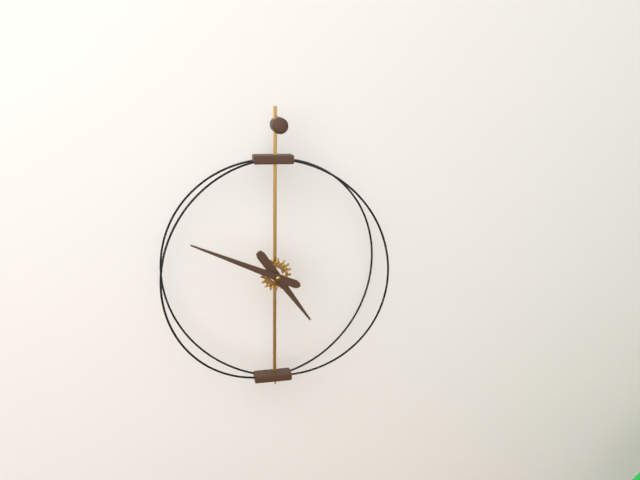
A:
4h49
